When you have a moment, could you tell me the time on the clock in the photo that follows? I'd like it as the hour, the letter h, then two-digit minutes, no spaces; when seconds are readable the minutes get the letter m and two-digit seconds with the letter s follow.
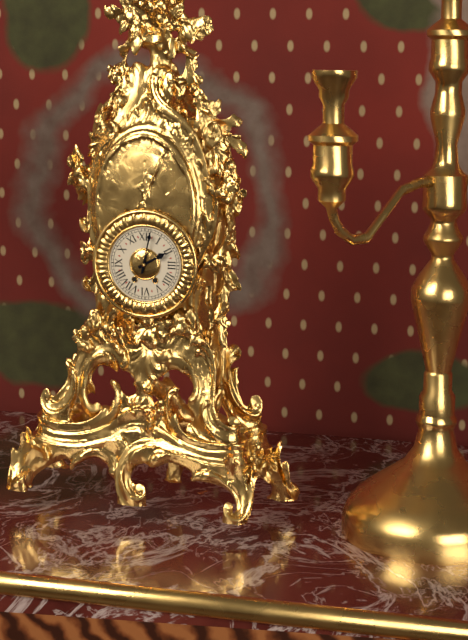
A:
2h02
